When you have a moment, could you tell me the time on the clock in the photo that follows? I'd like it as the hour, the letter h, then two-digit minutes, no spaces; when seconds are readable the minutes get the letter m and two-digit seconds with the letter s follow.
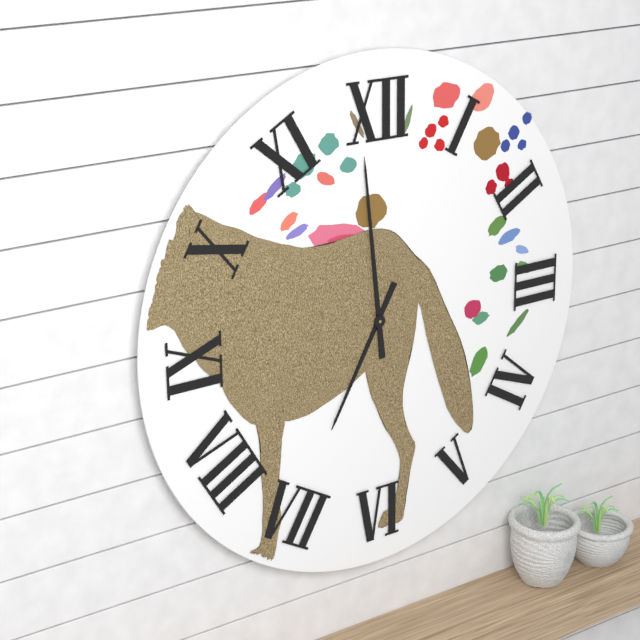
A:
6h59
